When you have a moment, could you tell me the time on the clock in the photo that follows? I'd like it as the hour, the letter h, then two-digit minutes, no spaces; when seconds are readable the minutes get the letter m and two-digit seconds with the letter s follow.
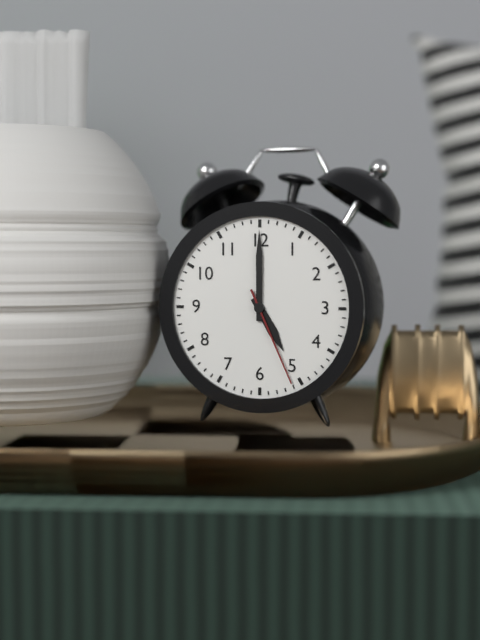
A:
5h00m26s
